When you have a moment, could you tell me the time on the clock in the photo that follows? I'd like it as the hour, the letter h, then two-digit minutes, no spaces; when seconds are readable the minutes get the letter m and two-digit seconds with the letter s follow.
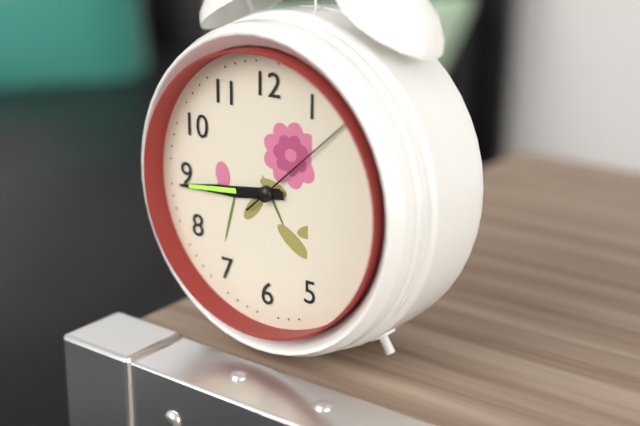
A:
8h44m08s
